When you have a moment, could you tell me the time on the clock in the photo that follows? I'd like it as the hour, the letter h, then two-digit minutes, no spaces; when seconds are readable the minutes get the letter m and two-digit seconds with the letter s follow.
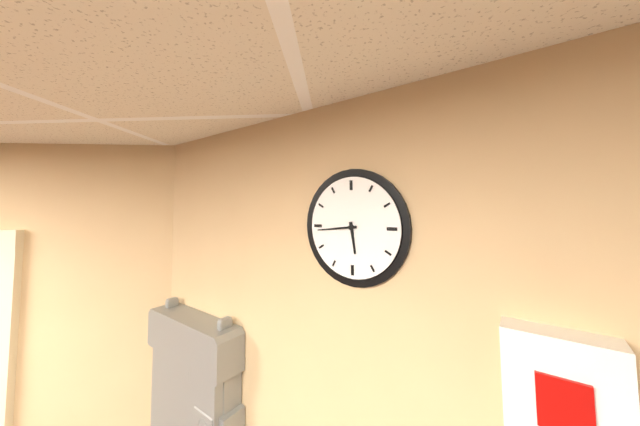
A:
5h44
